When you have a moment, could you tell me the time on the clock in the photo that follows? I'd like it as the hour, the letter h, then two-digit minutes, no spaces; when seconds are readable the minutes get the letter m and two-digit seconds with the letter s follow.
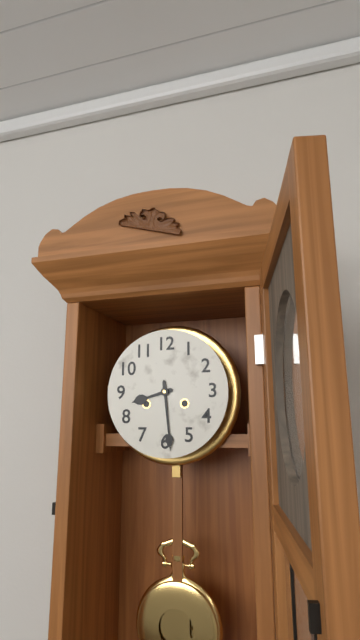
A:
8h29
